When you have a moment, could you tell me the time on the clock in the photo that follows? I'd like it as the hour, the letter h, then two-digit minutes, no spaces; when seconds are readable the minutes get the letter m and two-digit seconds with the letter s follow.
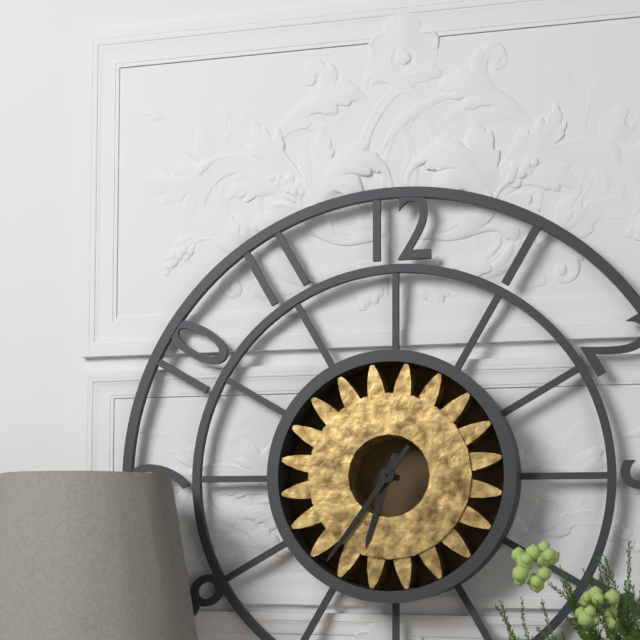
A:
6h36
